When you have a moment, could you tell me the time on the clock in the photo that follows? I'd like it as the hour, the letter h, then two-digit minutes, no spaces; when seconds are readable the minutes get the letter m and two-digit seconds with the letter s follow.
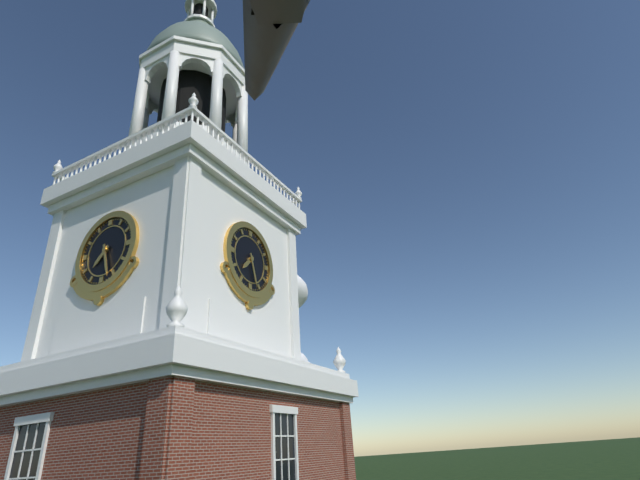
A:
7h27
